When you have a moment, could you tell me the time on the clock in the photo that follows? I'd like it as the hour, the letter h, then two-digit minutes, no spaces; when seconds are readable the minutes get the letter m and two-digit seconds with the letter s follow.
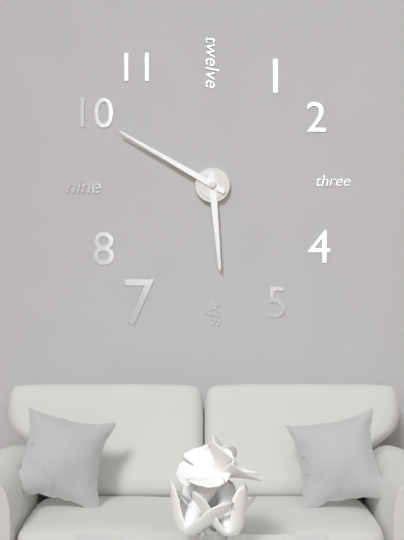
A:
5h50
